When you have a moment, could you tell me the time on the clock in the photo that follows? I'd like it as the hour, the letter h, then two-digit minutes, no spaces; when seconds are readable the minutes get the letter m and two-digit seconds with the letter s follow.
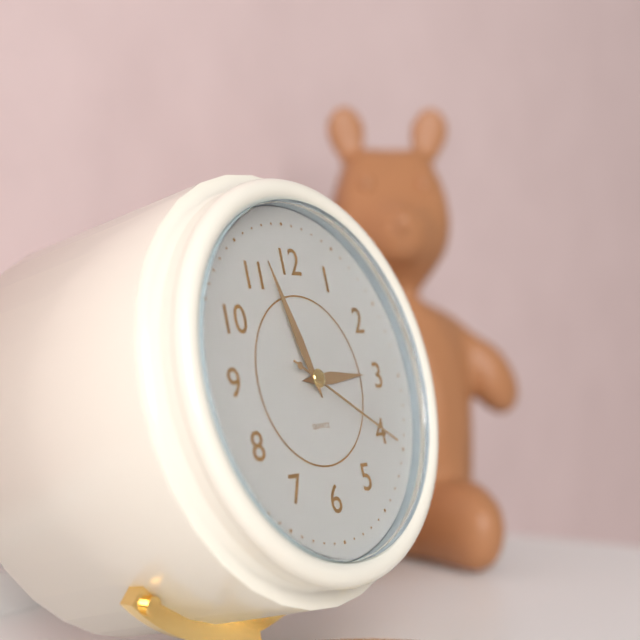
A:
2h57m20s
